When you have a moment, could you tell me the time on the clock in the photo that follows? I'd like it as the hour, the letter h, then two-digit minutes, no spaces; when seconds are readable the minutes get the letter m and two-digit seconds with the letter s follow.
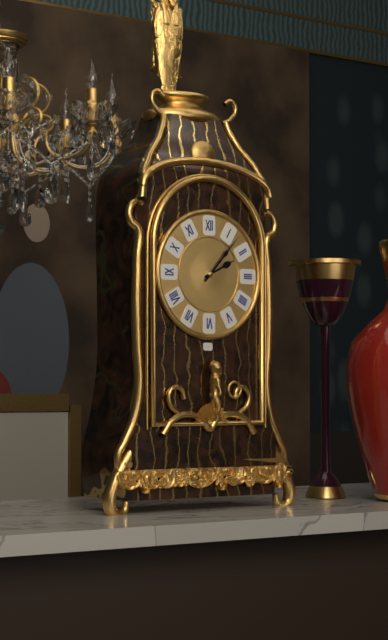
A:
2h07
